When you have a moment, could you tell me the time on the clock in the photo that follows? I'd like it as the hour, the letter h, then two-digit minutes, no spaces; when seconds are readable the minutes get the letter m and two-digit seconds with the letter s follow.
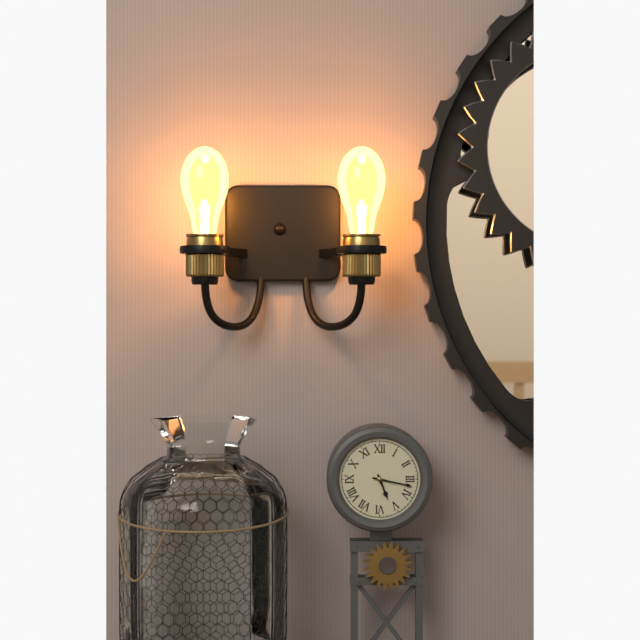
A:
5h17
